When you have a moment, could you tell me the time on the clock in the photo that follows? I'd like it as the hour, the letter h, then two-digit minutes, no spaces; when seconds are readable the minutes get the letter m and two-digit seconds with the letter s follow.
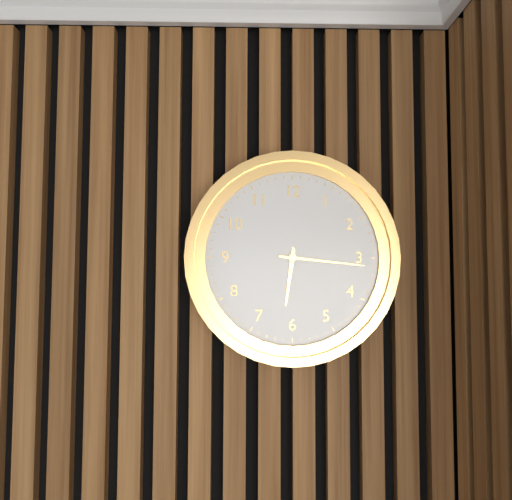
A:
6h16
